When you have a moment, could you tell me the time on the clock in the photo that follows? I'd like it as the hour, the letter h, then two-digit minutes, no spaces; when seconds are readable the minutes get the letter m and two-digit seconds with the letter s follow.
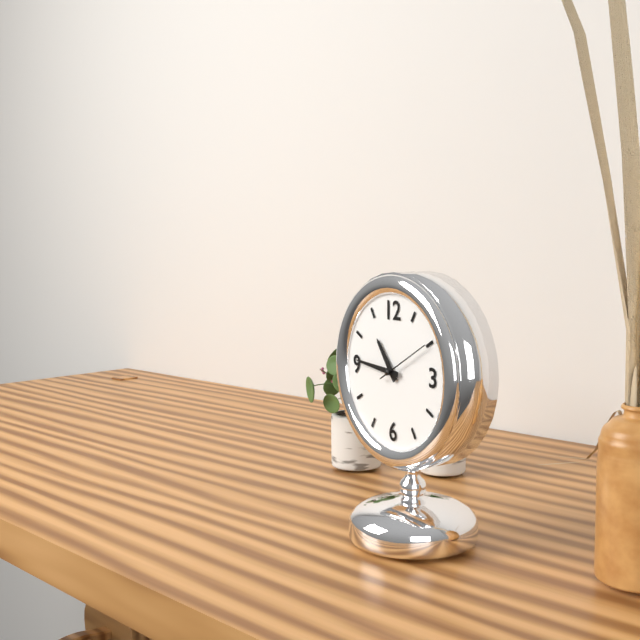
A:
10h46m10s
